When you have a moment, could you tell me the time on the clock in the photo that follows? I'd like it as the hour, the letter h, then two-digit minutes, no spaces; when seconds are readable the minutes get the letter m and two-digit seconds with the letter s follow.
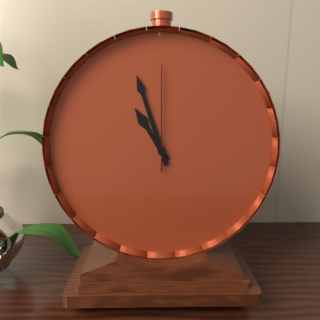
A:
10h57m00s
